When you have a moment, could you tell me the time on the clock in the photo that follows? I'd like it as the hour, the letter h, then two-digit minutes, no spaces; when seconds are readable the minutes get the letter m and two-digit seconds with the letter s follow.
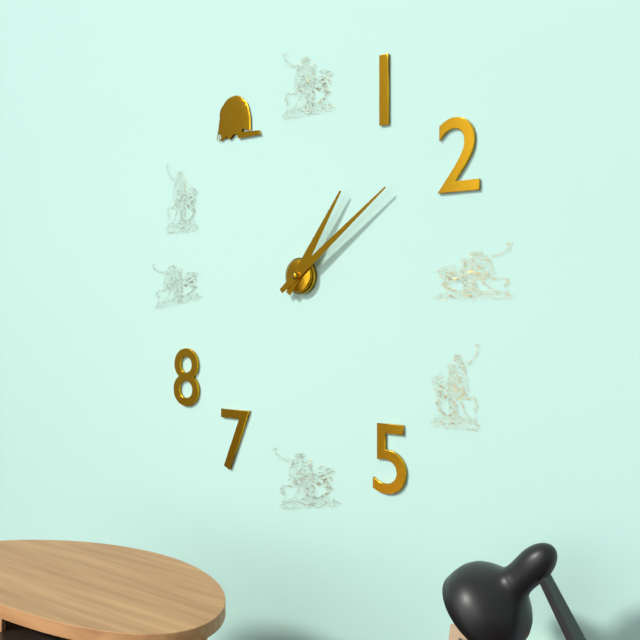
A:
1h09
